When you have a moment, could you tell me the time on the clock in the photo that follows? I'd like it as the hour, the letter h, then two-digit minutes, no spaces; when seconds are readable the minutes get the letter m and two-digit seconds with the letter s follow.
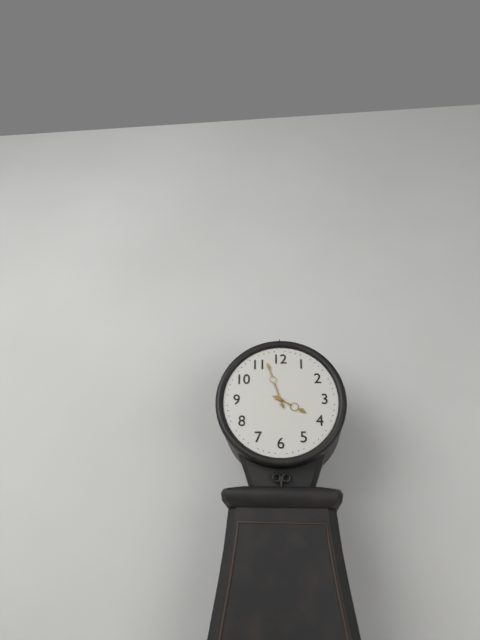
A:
3h57
